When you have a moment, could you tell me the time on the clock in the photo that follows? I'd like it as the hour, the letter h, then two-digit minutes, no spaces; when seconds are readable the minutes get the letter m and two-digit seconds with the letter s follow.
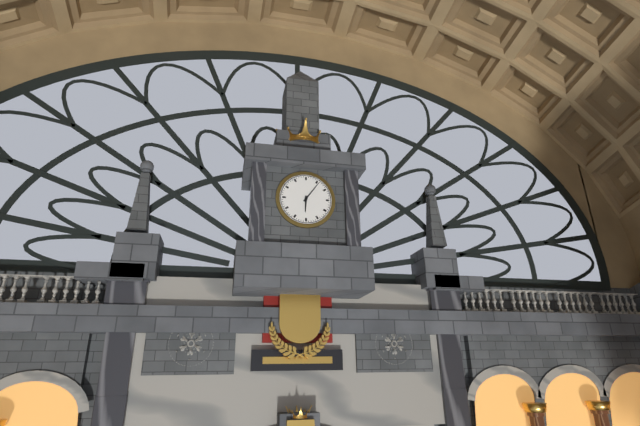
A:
6h06
